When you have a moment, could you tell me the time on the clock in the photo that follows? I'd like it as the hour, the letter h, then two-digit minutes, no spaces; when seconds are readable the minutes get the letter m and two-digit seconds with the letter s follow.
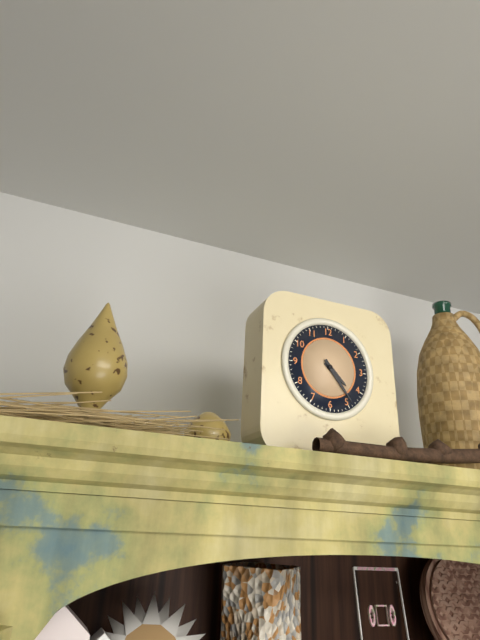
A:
4h24
